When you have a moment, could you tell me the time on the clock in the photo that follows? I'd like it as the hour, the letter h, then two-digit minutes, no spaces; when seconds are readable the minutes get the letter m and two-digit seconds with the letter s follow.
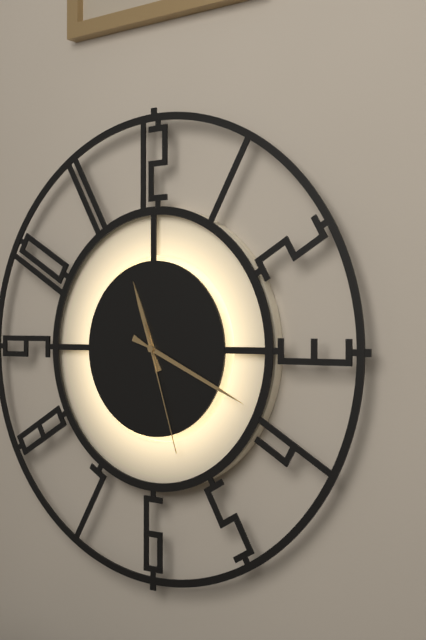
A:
11h19m27s
